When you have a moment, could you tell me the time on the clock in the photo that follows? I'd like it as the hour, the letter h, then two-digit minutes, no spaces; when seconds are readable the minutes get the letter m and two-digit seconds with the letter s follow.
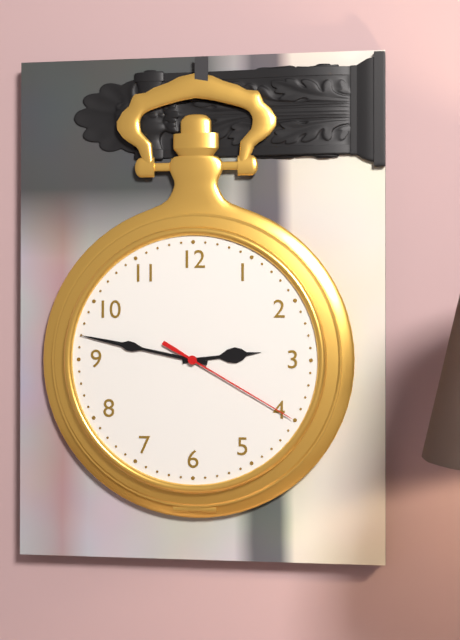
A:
2h47m20s
